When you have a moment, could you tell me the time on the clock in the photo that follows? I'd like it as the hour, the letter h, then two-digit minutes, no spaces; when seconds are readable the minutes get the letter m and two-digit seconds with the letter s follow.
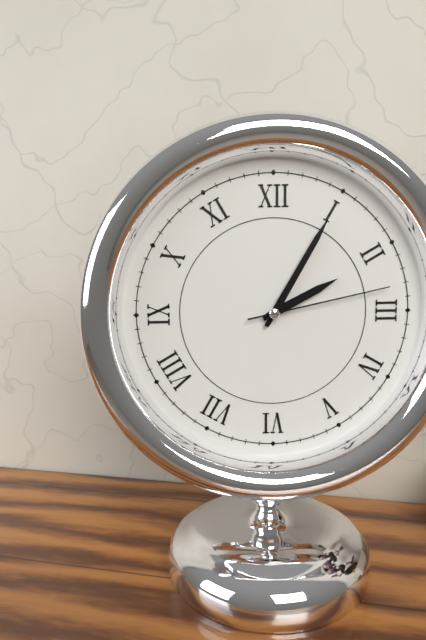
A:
2h05m13s
